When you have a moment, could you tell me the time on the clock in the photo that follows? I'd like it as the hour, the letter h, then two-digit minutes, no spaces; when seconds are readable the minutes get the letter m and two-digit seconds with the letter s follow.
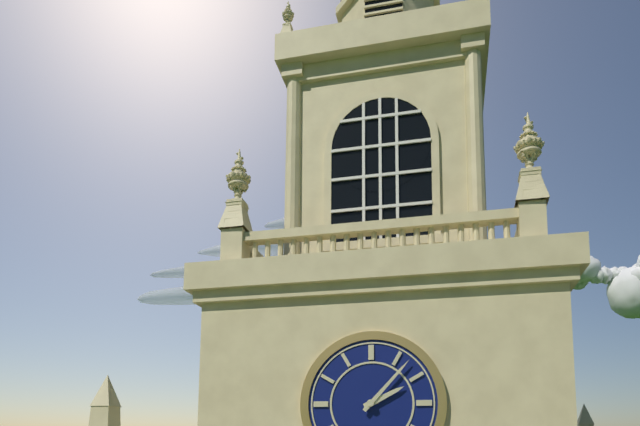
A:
2h07
